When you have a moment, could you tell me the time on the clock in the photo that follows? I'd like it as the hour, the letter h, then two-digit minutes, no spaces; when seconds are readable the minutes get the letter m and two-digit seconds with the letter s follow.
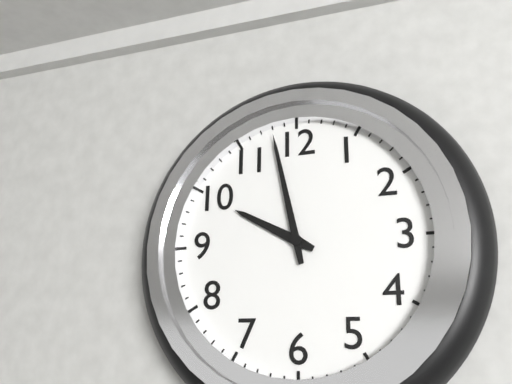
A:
9h58
